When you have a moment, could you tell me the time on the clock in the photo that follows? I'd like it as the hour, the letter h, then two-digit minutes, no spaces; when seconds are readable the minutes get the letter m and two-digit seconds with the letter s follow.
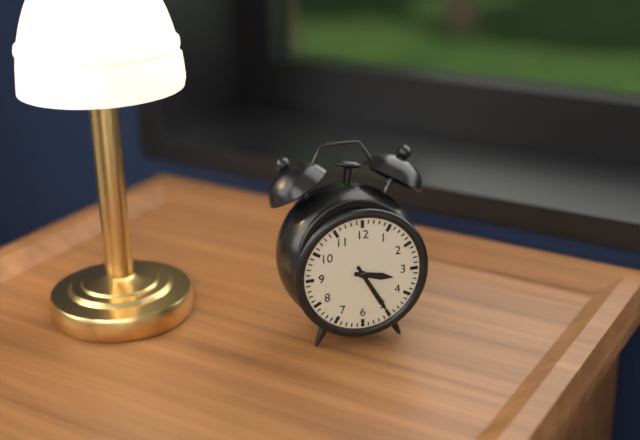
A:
3h25
